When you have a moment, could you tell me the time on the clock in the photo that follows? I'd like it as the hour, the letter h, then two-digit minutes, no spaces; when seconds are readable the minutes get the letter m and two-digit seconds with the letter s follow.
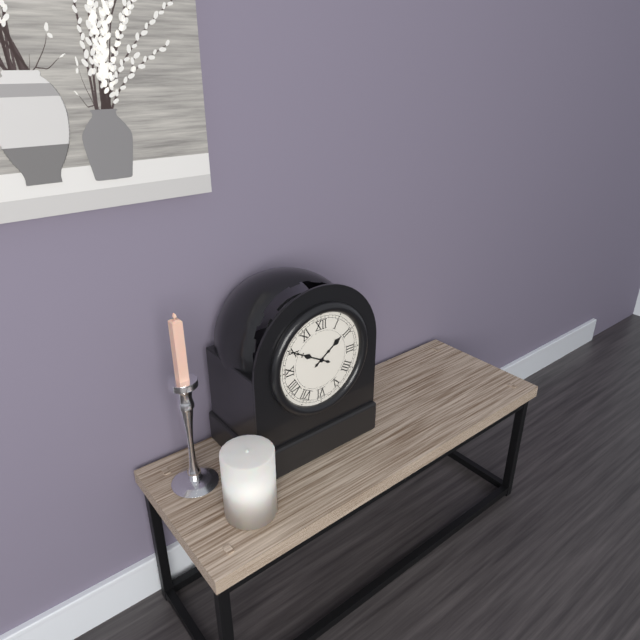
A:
1h50
